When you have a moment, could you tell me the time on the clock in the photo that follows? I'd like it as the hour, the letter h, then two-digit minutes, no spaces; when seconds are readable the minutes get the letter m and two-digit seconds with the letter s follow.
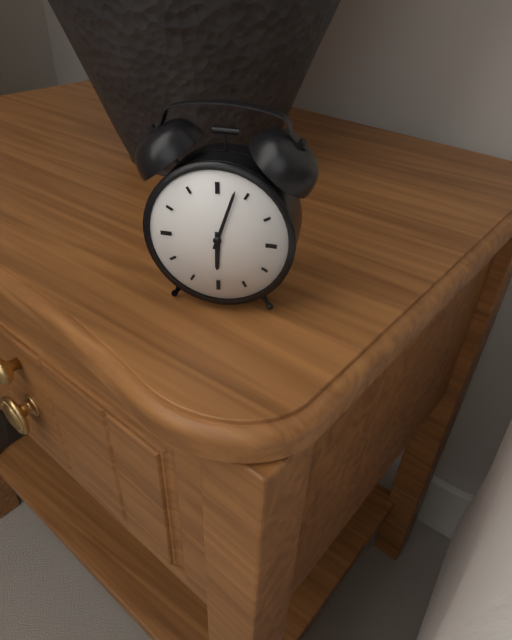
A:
6h03
